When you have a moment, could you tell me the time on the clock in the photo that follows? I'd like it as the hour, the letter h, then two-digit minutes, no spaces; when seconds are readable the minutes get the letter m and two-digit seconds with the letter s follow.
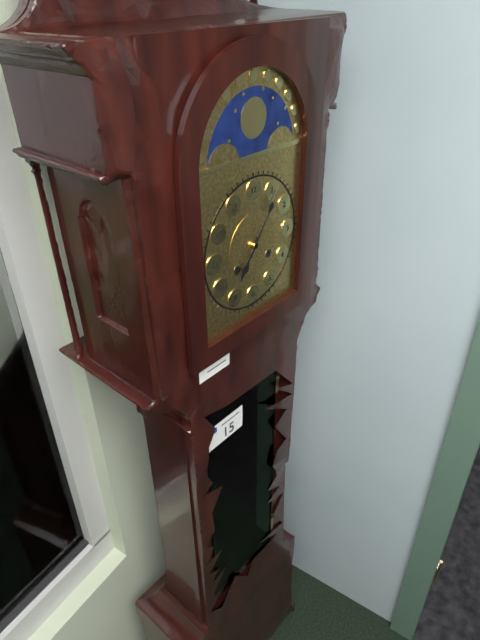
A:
7h06
